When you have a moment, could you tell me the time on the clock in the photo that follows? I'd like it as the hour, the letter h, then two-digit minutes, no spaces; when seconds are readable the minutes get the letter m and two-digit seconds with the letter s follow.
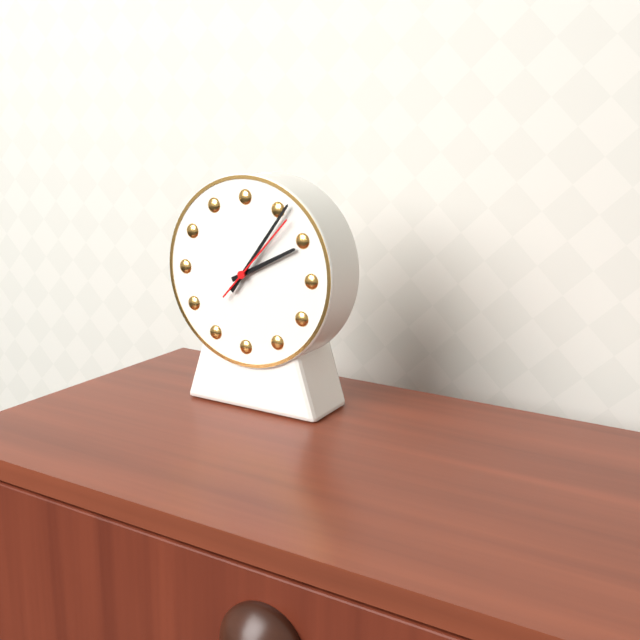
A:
2h06m07s
